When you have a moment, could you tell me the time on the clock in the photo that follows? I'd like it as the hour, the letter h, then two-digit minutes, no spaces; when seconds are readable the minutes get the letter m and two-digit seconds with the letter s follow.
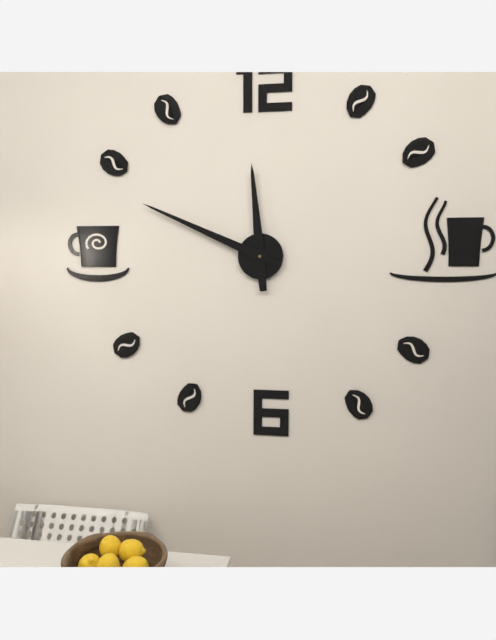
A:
11h49
